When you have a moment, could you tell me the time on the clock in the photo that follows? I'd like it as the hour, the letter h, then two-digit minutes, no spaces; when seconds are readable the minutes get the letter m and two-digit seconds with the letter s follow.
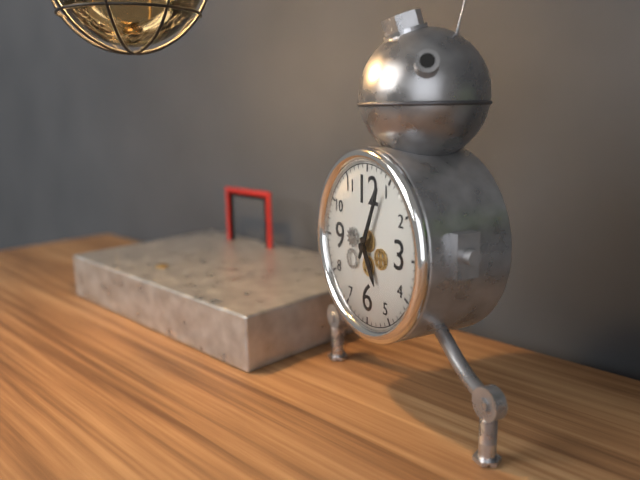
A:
5h04
